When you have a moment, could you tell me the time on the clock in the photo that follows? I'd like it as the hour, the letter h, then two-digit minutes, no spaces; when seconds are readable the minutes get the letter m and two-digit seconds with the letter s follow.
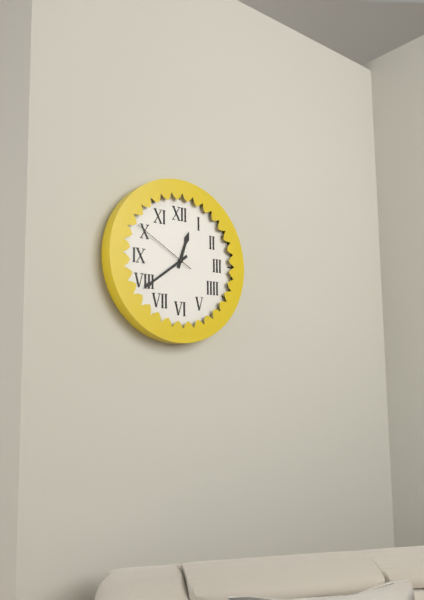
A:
12h39m50s
